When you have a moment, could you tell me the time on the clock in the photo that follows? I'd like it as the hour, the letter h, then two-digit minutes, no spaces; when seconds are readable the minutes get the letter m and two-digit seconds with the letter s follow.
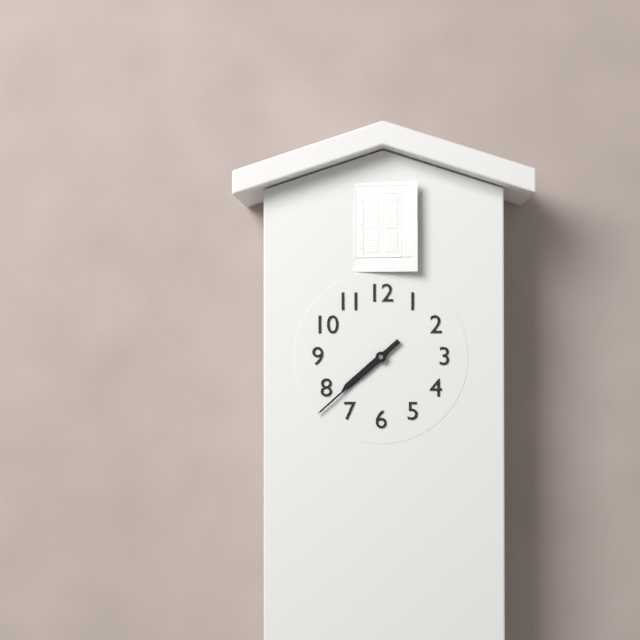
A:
7h38
